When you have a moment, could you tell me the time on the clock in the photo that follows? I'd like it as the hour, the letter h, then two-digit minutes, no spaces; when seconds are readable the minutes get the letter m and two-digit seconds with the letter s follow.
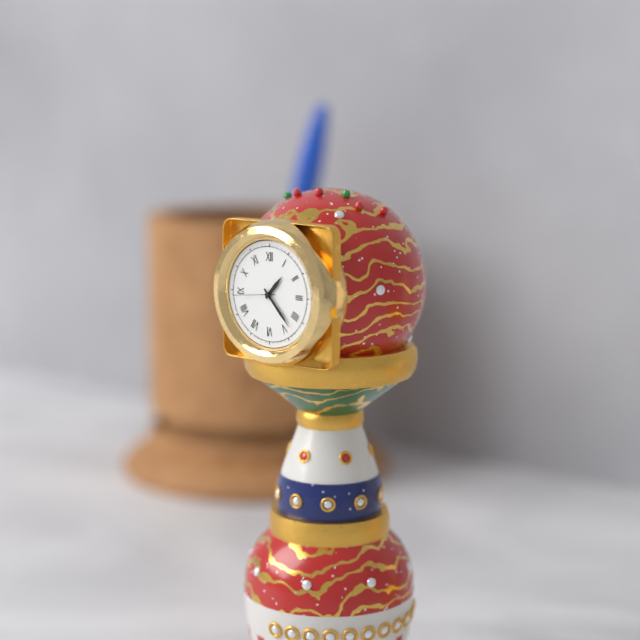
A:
1h23
